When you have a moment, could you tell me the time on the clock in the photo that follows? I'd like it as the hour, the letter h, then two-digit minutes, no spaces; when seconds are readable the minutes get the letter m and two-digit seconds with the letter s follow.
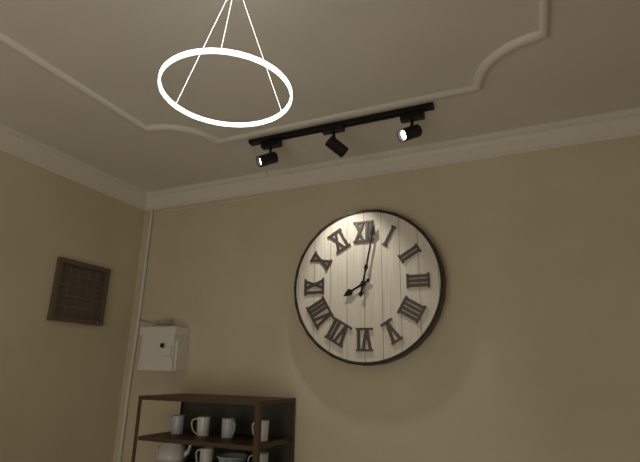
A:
8h02
